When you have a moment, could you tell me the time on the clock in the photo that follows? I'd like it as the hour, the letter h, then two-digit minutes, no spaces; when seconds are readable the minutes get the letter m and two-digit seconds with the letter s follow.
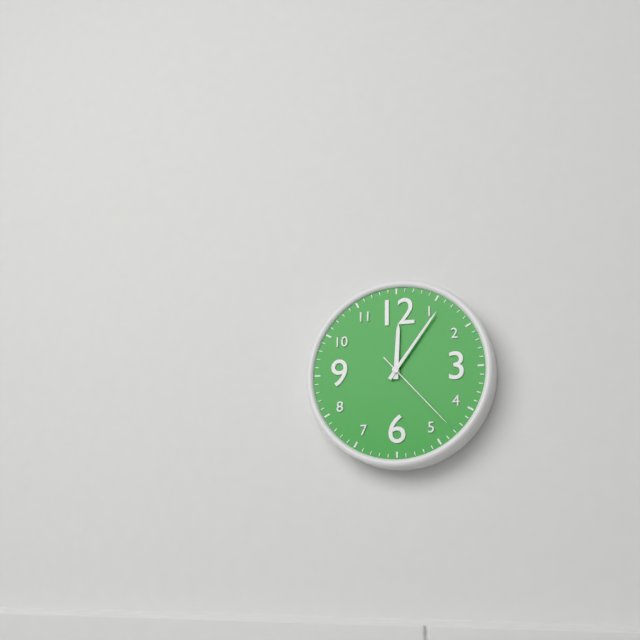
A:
12h06m23s
